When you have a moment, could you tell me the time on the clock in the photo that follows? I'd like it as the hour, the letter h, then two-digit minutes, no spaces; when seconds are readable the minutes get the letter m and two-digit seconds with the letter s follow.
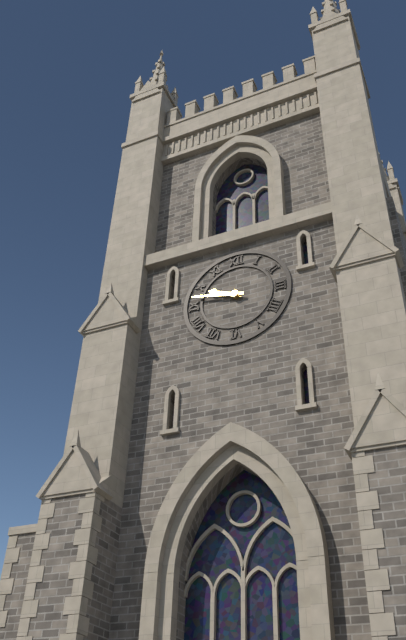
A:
9h47
